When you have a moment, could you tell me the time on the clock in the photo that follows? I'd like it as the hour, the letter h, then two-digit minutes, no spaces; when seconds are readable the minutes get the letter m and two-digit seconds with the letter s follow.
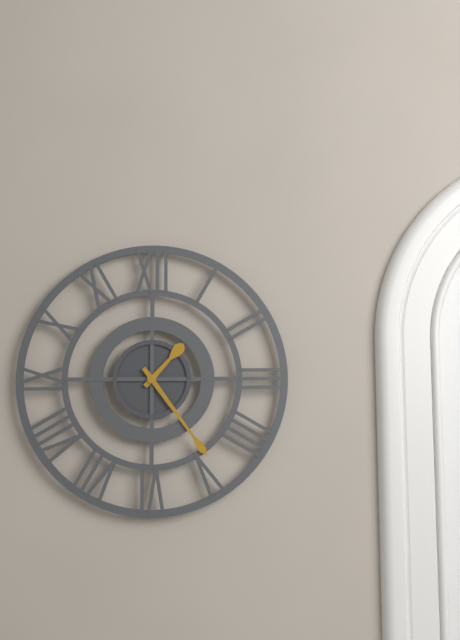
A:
1h24
